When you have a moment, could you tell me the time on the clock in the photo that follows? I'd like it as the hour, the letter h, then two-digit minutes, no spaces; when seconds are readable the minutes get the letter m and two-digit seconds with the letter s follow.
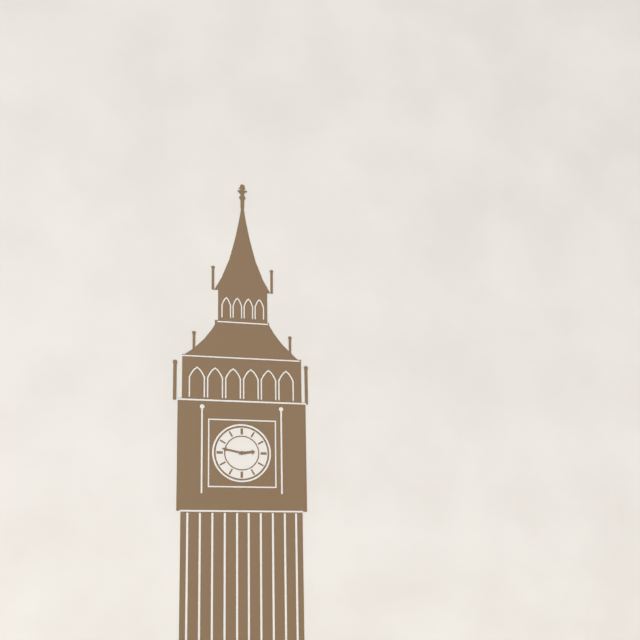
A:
2h47
